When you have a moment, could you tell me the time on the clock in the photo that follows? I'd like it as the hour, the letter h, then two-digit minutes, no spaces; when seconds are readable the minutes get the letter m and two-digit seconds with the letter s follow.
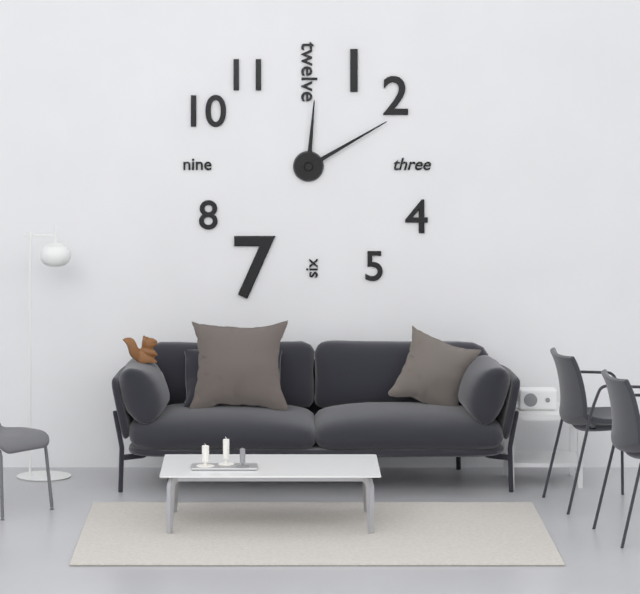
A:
12h10
